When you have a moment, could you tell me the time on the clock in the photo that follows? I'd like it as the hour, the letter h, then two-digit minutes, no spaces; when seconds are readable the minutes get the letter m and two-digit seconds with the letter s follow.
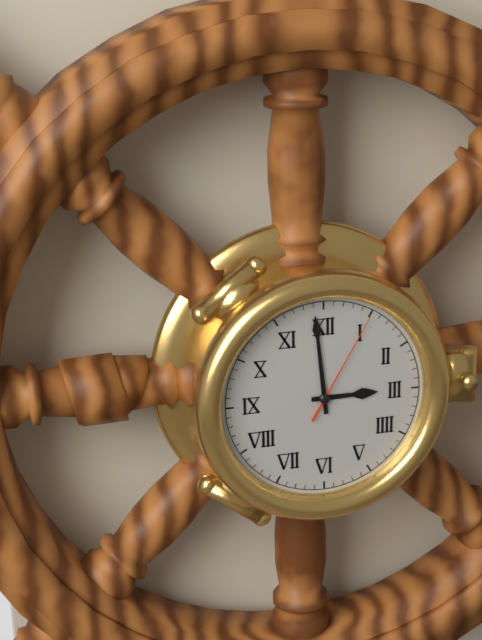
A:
2h59m05s
